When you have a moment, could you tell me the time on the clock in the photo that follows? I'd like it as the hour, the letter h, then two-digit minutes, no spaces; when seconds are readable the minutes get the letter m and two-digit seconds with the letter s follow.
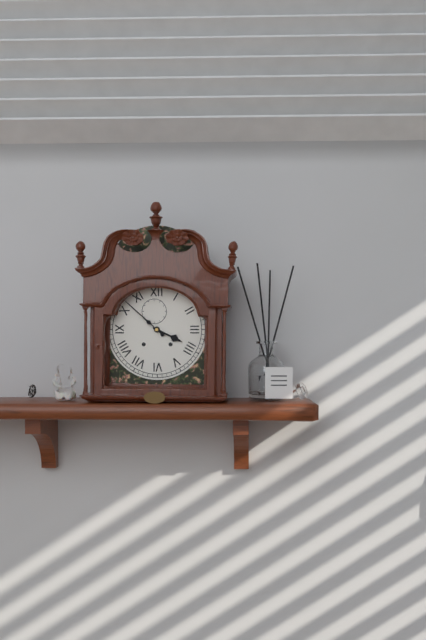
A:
3h52
